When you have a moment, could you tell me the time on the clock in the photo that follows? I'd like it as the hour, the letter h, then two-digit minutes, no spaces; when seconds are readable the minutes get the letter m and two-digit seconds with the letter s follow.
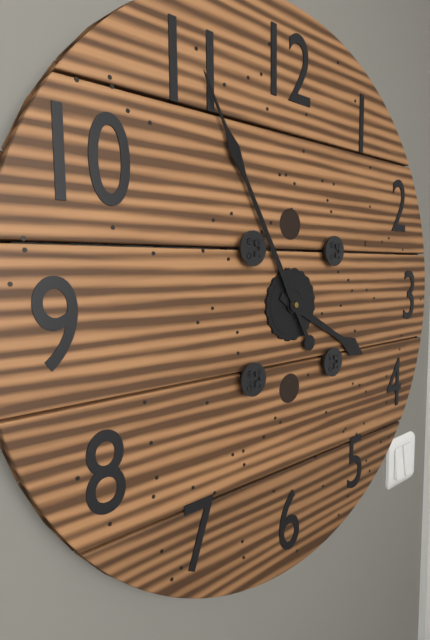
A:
3h55
